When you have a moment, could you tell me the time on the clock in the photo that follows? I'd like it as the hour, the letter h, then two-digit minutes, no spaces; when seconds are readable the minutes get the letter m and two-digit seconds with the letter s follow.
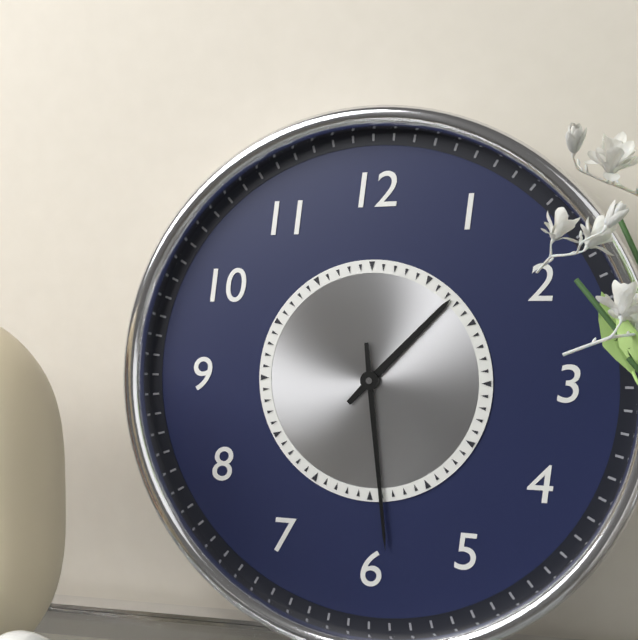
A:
1h29
